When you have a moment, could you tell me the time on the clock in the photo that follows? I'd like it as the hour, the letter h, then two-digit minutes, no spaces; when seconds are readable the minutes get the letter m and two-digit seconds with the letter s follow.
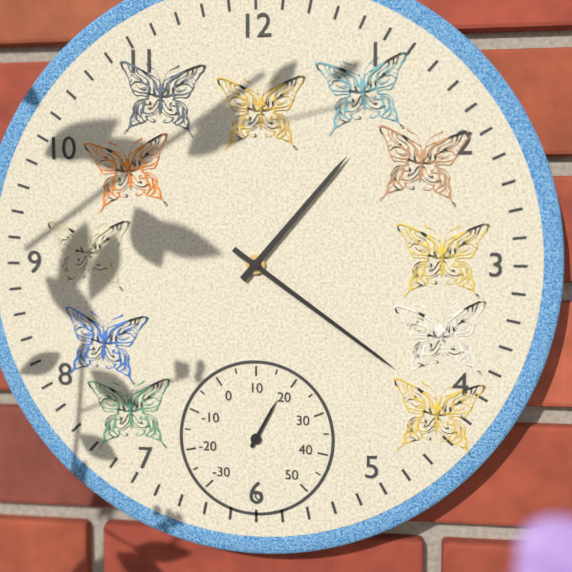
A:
1h21
